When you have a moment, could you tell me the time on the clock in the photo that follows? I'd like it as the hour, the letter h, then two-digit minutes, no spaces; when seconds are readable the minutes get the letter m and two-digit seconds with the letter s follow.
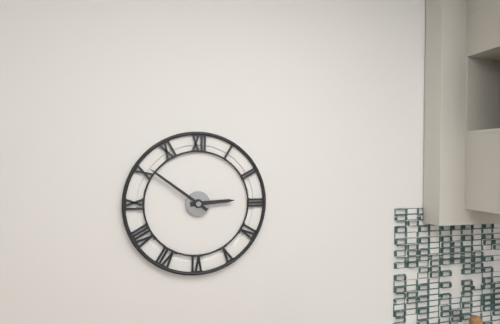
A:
2h51
